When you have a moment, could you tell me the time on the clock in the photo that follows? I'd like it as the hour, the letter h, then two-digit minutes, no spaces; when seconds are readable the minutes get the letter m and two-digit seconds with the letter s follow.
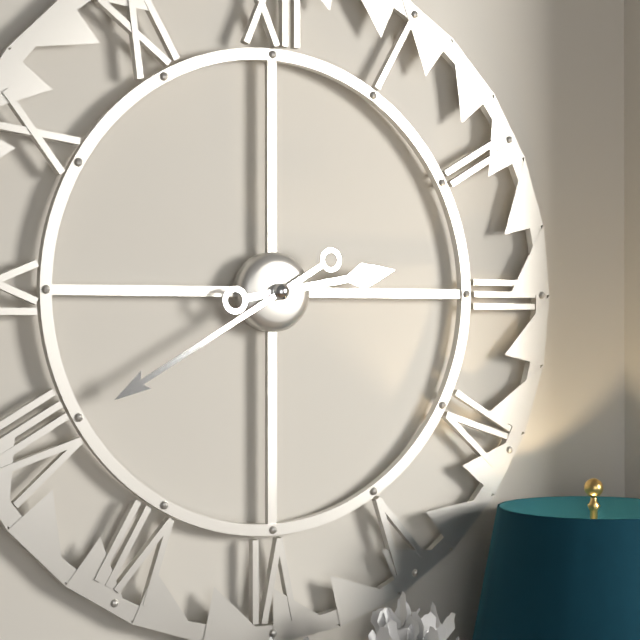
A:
2h40
